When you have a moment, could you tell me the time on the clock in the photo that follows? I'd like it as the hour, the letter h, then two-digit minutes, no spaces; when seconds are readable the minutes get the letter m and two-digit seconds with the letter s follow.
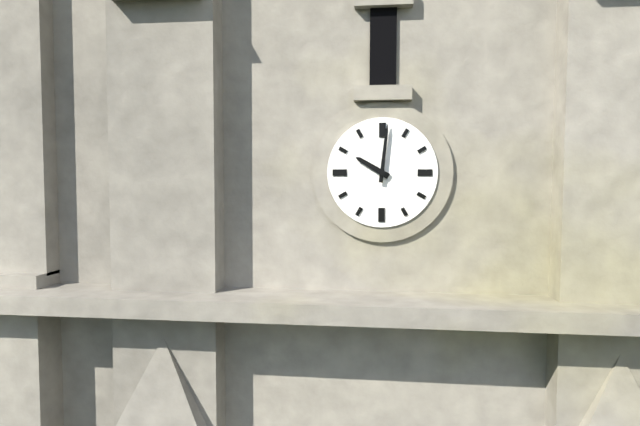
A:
10h01
